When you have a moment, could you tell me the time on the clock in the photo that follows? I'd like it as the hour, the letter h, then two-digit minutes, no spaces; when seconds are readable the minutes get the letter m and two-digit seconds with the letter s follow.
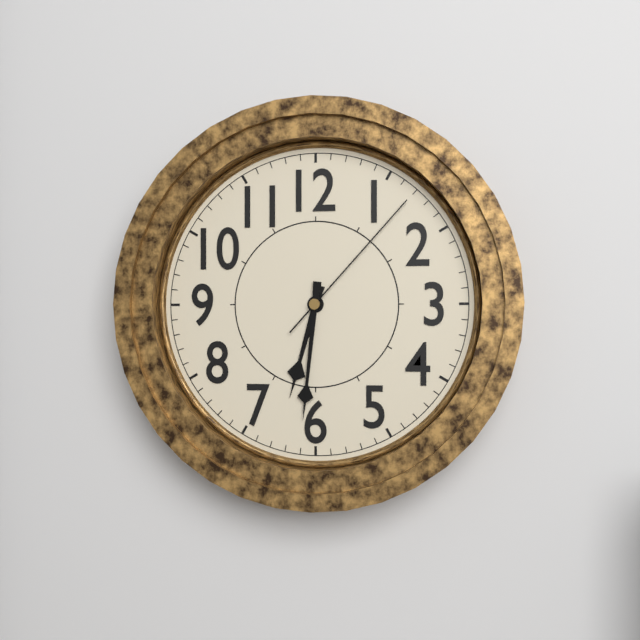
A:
6h31m07s
